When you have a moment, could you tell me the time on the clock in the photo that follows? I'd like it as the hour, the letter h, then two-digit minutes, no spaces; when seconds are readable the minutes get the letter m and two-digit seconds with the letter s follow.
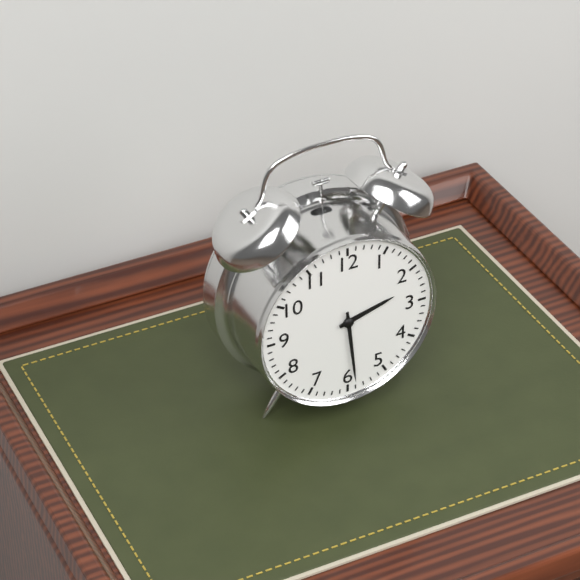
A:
2h29
